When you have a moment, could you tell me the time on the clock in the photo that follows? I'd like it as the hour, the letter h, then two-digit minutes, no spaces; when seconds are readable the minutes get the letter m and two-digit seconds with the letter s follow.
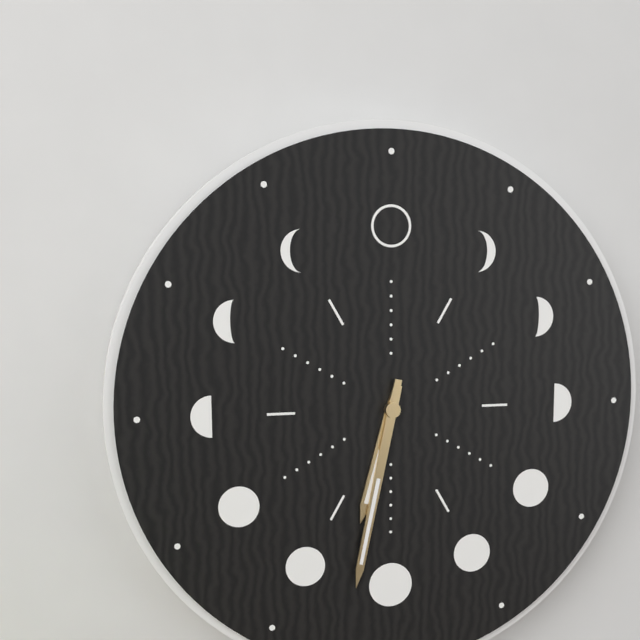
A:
6h32
